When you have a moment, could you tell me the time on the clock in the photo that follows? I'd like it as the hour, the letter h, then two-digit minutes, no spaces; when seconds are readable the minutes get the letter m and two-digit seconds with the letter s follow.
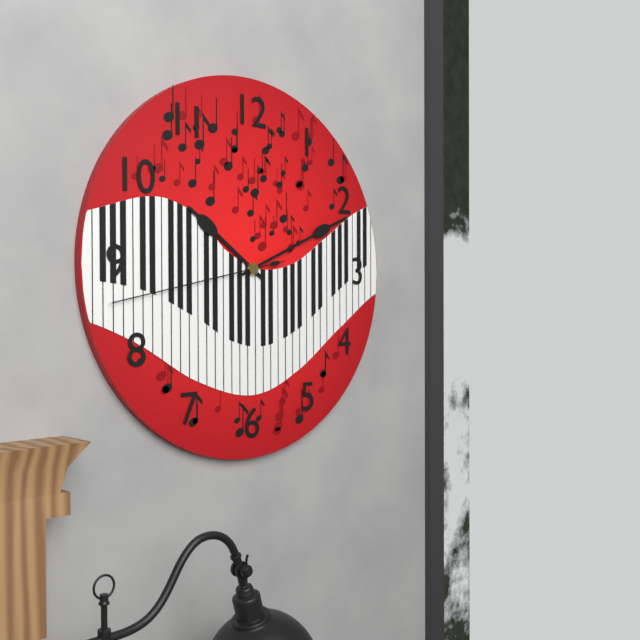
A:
10h11m43s
